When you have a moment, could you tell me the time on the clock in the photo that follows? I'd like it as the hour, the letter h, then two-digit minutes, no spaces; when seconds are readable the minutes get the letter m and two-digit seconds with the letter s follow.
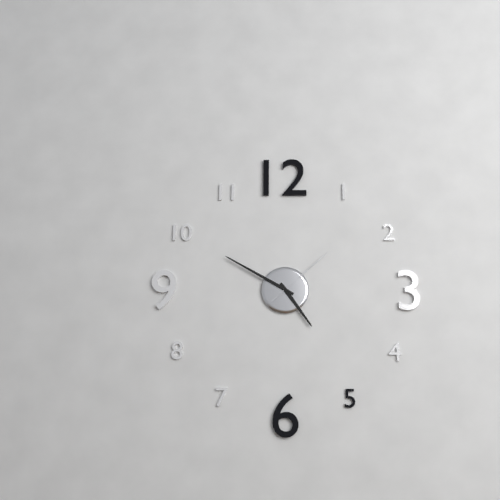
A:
4h50m08s
